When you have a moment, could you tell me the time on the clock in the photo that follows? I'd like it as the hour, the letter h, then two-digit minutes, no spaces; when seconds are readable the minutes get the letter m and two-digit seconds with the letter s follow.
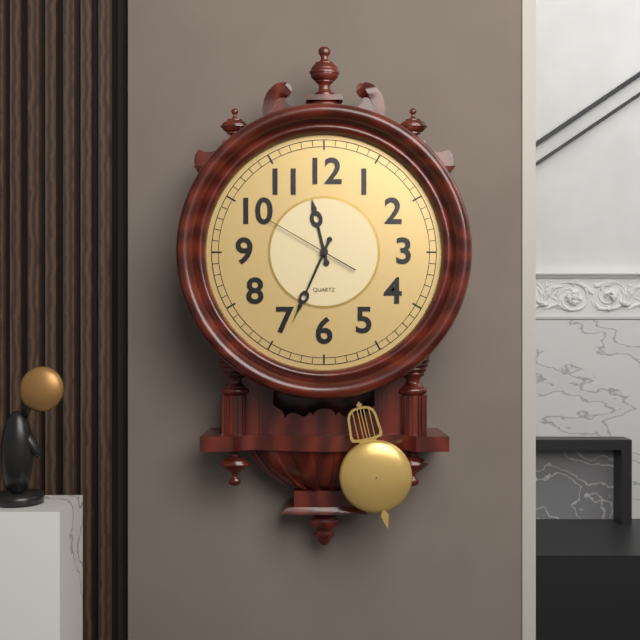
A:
11h34m50s
